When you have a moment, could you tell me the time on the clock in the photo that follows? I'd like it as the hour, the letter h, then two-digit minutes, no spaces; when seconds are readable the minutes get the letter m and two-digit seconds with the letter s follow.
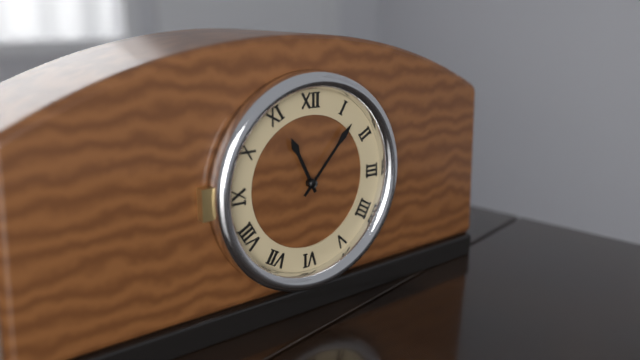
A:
11h07
